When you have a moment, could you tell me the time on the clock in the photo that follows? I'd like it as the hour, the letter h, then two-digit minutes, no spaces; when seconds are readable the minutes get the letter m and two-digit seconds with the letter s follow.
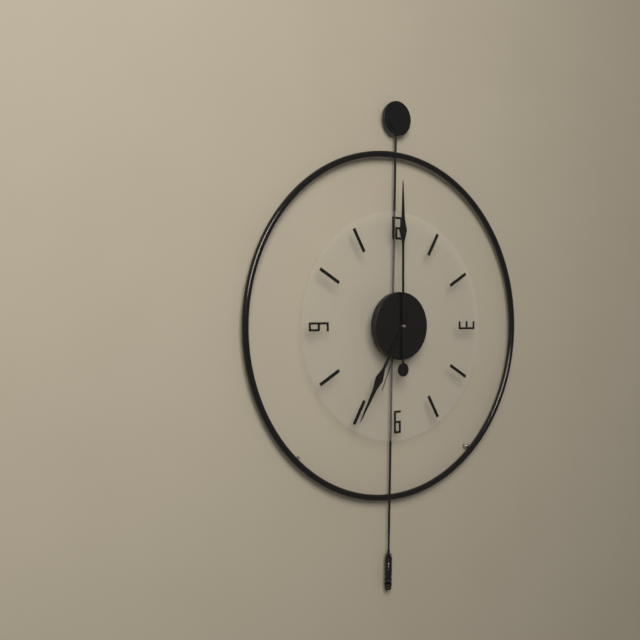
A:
7h00m34s
